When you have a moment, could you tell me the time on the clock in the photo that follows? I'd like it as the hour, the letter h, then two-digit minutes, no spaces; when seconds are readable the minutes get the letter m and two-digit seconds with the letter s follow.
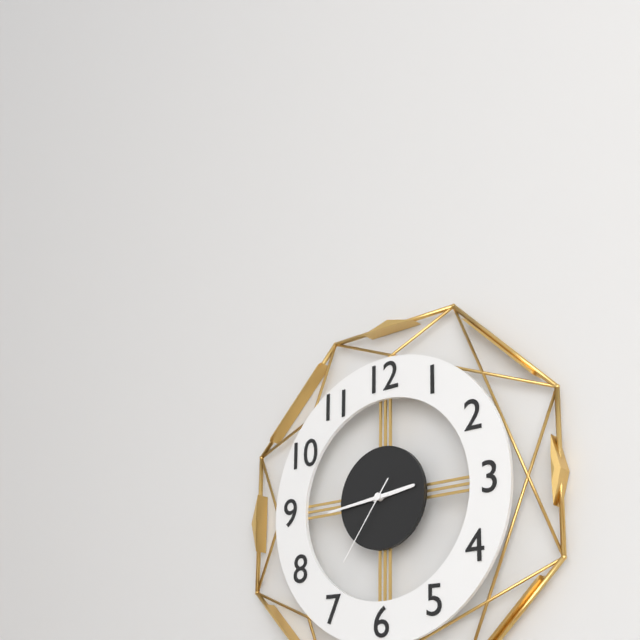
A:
2h44m36s
